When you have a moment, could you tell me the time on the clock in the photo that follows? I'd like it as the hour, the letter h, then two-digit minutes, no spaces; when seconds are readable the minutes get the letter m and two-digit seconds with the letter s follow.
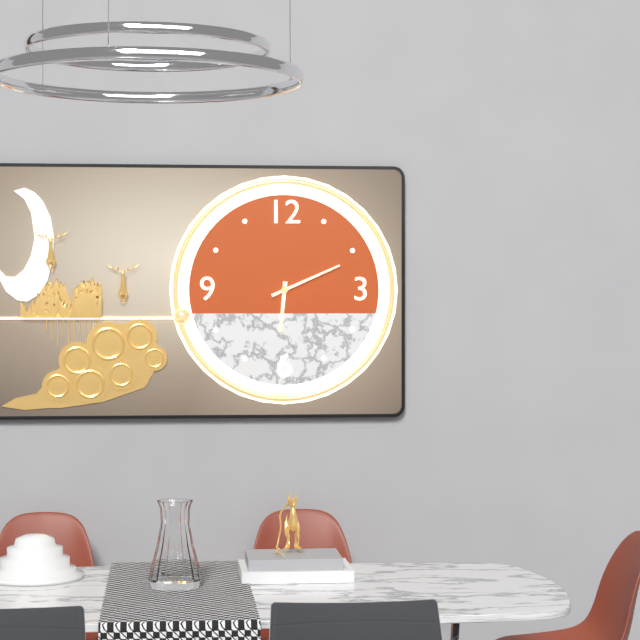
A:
6h11
